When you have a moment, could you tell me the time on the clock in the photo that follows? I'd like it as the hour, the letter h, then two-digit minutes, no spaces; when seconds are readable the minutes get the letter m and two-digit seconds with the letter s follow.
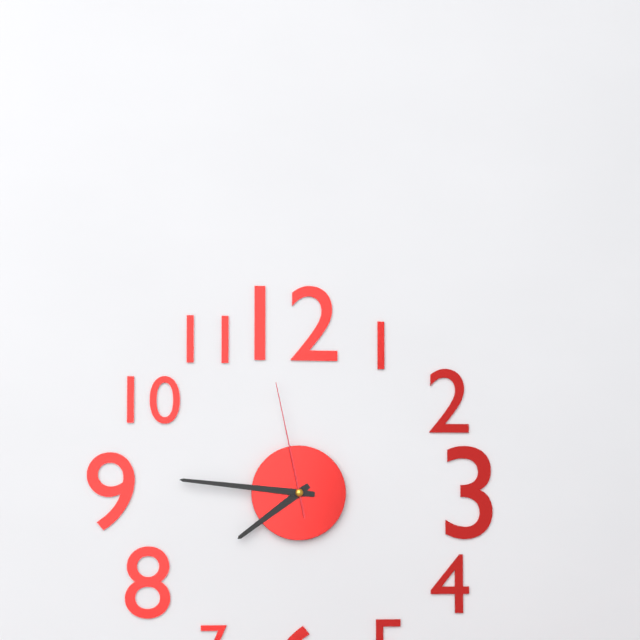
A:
7h46m58s
